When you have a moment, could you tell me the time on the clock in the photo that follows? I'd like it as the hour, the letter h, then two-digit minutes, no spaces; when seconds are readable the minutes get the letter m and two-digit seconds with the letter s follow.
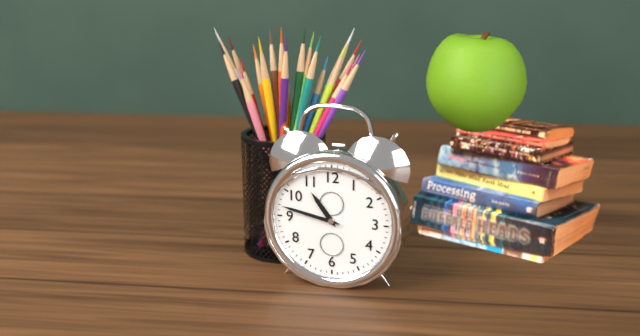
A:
10h47
